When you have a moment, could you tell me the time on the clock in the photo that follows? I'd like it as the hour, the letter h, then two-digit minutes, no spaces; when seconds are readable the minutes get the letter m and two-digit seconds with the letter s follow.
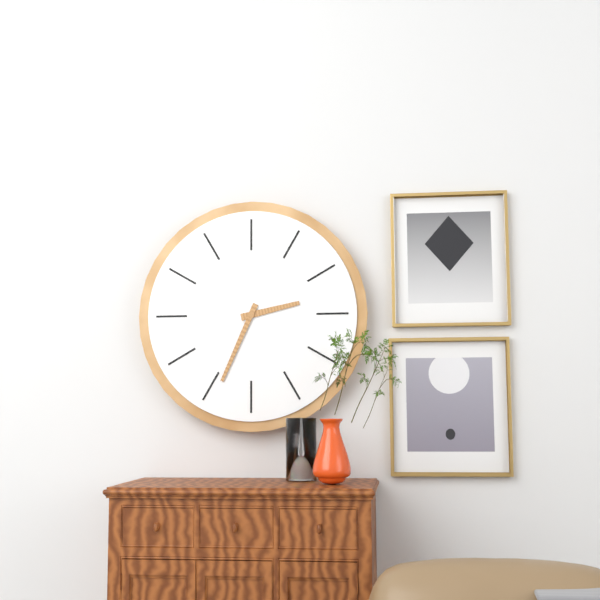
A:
2h34
